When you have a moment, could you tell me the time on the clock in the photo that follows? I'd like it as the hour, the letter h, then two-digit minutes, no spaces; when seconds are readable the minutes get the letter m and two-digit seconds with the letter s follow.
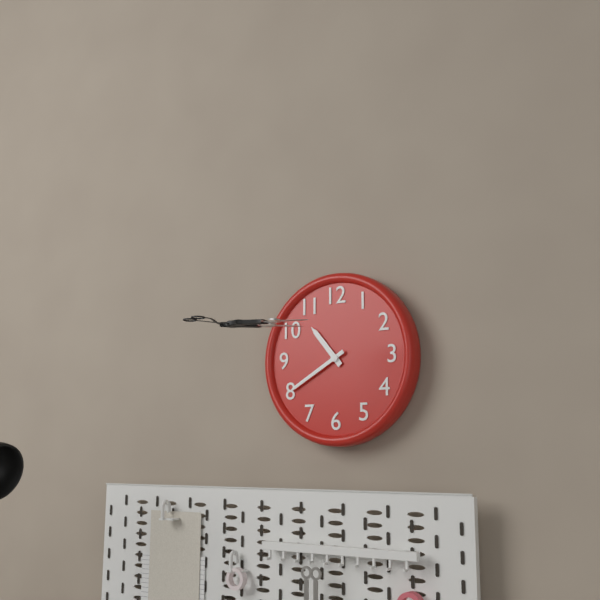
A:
10h40
